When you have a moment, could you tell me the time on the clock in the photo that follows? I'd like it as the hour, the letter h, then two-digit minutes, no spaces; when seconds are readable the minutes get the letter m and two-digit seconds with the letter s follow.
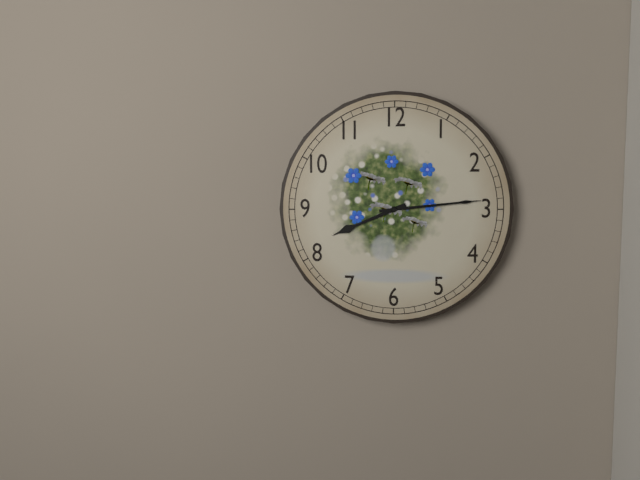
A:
8h14
